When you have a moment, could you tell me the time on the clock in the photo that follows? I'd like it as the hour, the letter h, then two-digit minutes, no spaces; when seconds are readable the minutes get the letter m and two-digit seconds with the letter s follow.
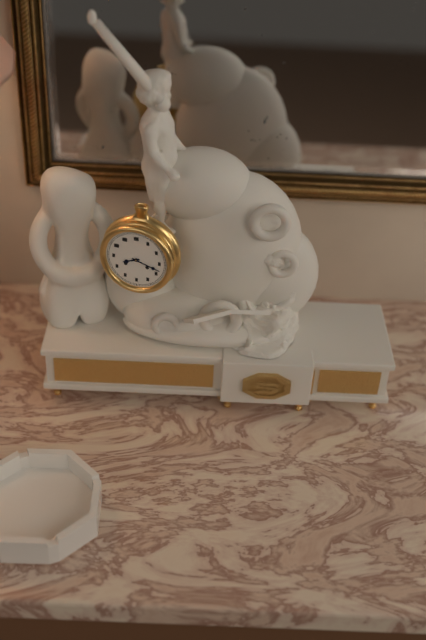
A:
8h18
